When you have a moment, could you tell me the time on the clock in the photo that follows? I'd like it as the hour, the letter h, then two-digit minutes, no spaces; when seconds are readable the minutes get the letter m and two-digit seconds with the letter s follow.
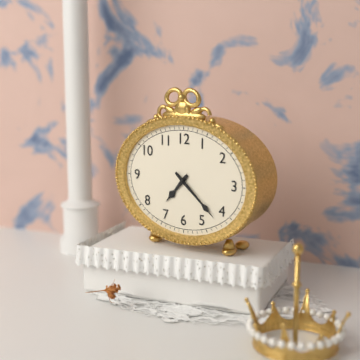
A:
7h22
